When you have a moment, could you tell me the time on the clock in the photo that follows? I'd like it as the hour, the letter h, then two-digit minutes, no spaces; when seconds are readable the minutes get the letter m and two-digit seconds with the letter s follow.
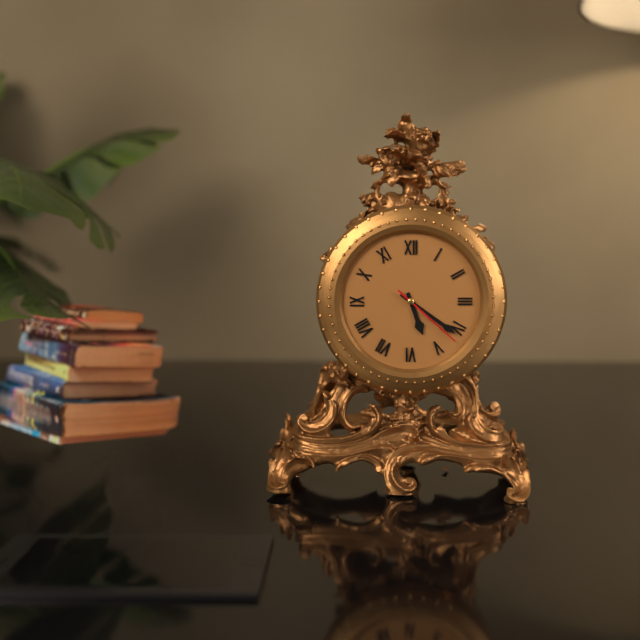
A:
5h21m22s
